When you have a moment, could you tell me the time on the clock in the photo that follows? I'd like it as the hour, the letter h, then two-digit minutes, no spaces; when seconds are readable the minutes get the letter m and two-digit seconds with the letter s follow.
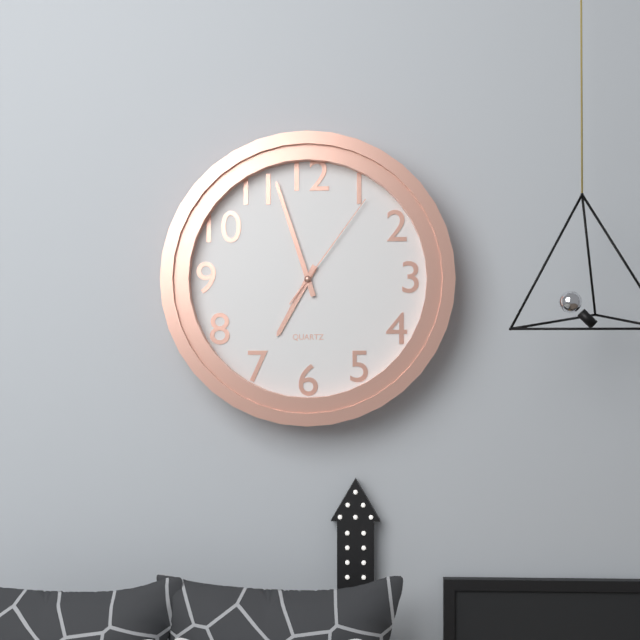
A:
6h57m06s
